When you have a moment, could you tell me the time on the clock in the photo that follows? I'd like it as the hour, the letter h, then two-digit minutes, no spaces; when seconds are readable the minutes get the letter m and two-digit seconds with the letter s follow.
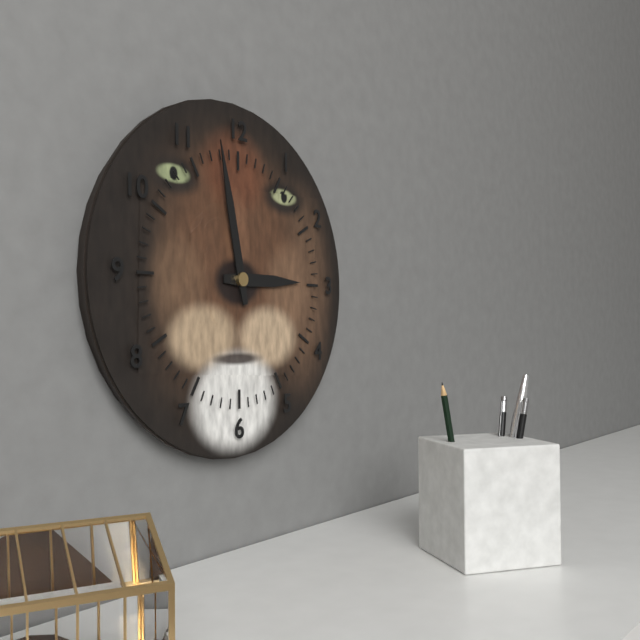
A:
2h58
